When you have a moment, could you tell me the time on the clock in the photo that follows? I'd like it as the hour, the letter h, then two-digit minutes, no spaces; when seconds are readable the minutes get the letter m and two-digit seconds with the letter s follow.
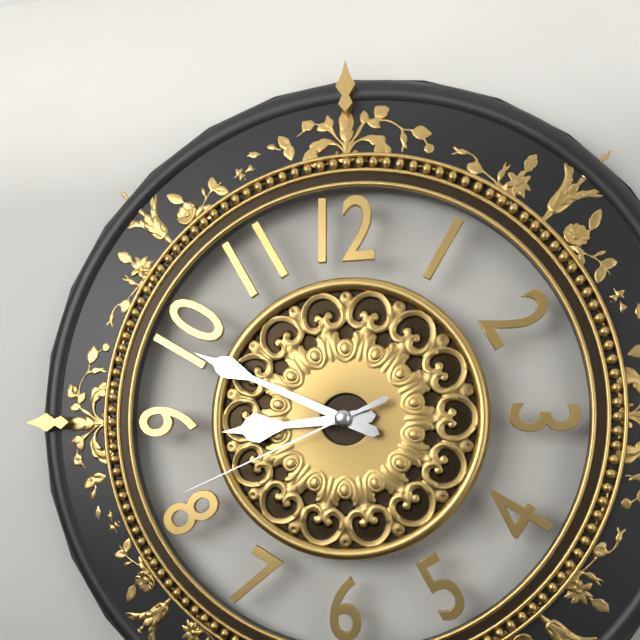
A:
8h49m41s
